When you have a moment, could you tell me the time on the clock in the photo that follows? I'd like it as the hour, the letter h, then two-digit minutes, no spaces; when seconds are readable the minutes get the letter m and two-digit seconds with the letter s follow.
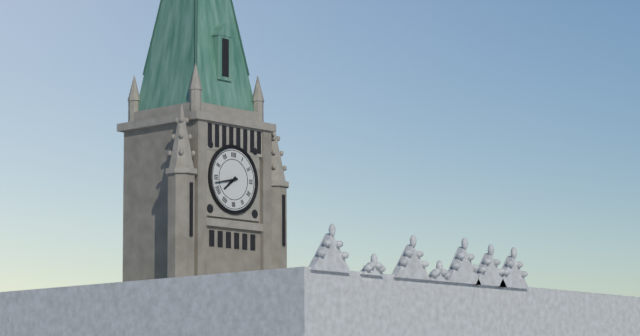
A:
7h43
